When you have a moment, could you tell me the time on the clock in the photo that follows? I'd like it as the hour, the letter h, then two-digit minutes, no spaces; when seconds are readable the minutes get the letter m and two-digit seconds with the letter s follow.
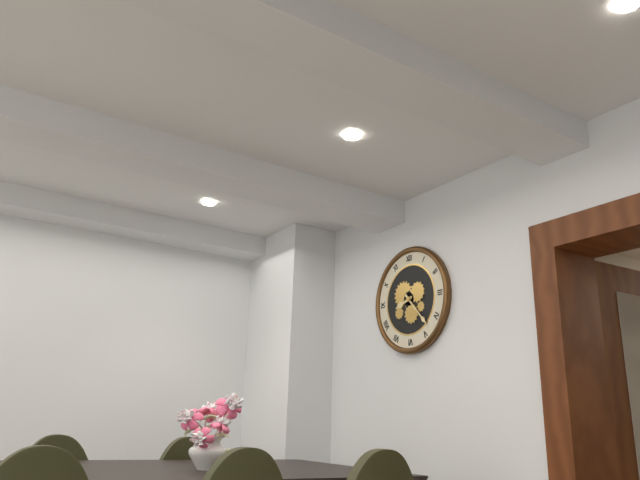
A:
8h23
